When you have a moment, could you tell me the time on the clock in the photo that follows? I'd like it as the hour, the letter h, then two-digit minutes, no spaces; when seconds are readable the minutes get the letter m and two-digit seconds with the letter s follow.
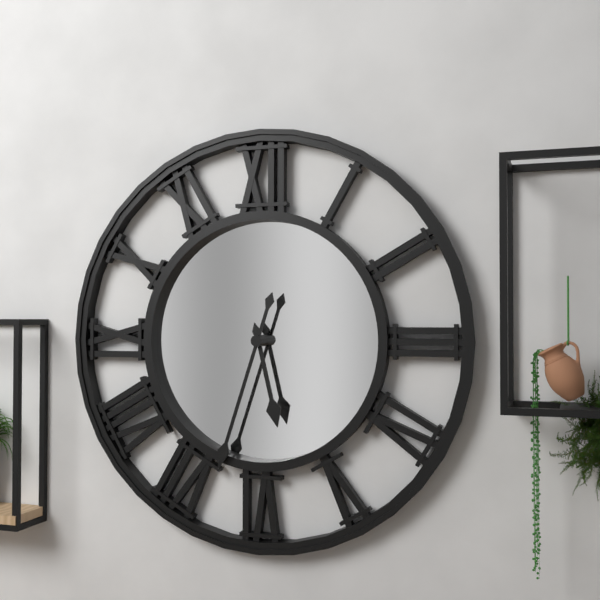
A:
5h33
